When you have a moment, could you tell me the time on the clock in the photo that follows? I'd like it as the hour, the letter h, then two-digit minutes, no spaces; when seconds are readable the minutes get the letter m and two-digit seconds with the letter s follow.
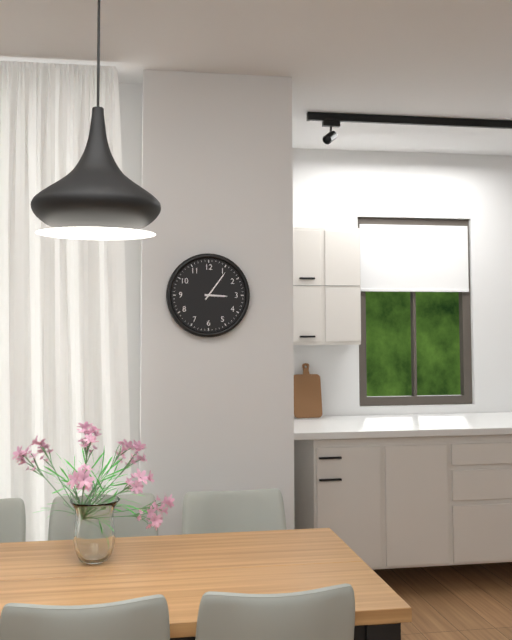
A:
3h06
